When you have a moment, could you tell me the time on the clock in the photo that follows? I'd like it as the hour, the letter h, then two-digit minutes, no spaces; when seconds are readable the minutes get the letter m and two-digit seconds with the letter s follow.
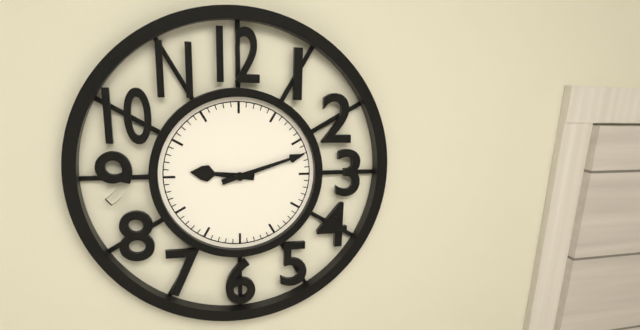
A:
9h12
